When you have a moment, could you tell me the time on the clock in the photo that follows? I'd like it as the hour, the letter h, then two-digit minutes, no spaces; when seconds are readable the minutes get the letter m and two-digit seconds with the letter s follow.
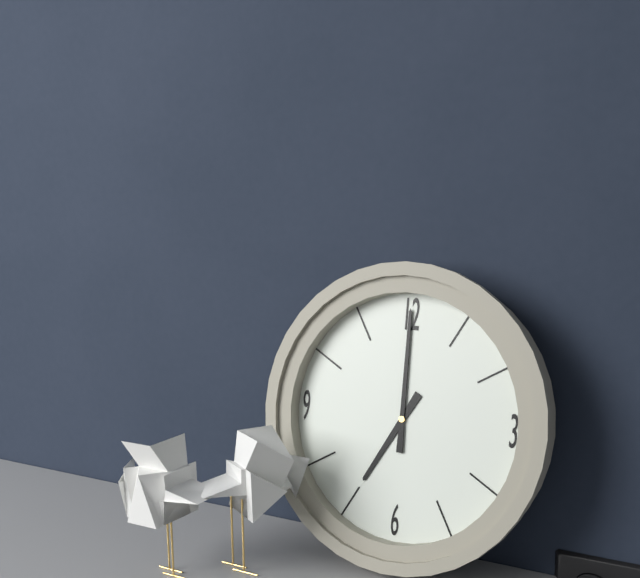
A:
7h00
